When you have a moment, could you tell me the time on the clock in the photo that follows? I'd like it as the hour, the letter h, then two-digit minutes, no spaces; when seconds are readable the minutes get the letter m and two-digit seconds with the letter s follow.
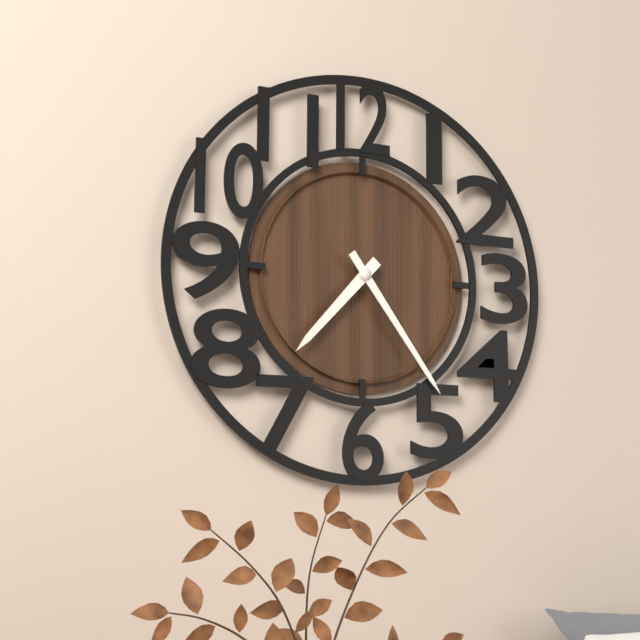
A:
7h24
